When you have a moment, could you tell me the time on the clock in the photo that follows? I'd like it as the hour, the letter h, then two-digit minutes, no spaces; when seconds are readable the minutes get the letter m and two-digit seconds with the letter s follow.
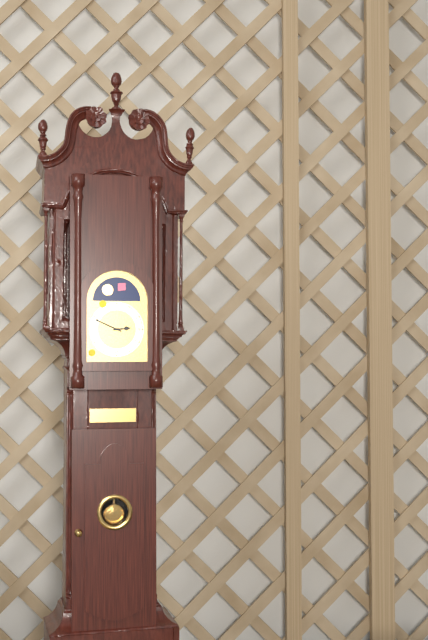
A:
2h49
